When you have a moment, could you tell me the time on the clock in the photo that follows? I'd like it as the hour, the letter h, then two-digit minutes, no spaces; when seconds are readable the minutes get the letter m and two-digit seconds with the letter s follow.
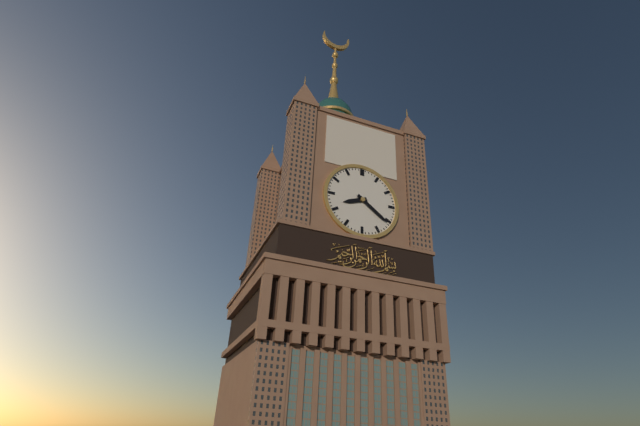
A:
8h21
